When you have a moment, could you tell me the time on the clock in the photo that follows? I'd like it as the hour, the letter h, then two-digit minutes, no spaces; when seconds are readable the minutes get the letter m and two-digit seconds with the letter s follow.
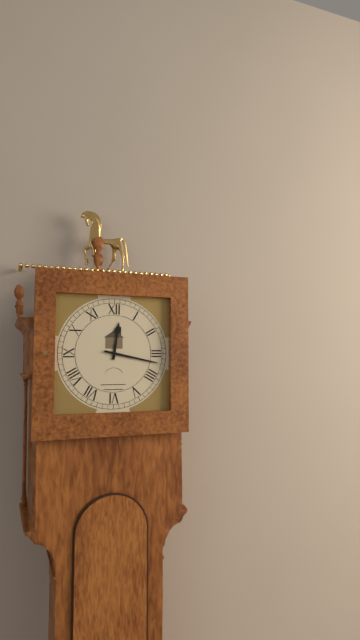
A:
12h17
